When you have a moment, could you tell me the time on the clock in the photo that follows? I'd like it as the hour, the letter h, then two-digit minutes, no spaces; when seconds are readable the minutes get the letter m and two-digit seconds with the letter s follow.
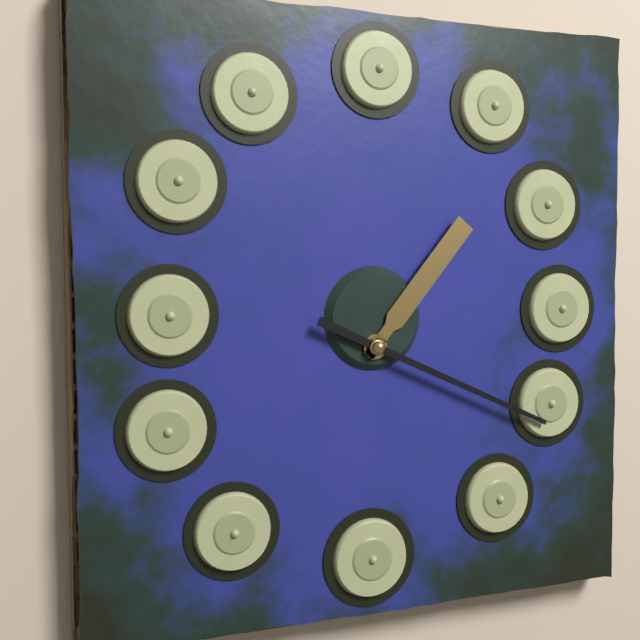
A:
1h19
